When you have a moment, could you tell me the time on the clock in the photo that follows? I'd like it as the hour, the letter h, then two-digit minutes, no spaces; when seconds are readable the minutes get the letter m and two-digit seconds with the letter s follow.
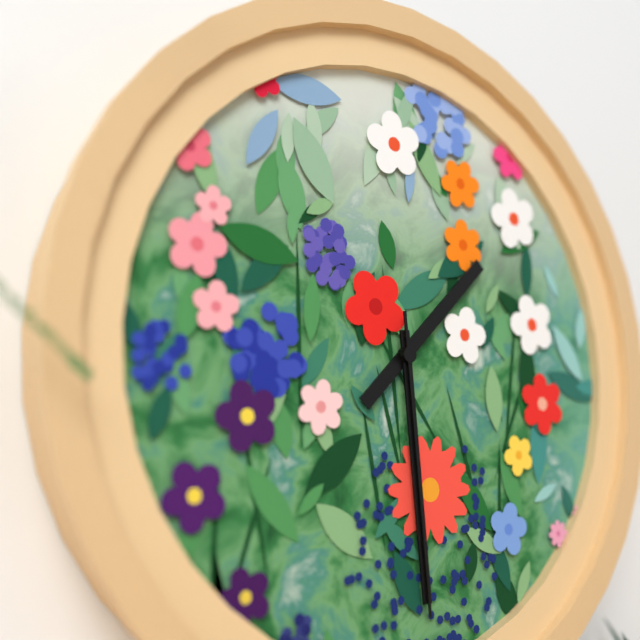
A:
1h29m29s
